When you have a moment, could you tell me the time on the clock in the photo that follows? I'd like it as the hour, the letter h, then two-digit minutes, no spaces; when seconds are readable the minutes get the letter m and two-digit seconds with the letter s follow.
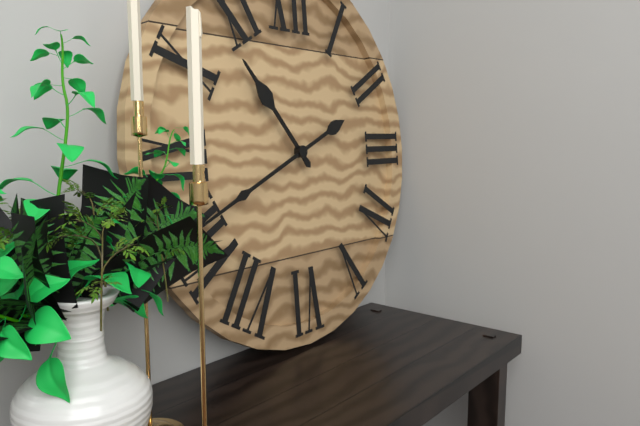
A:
10h41
